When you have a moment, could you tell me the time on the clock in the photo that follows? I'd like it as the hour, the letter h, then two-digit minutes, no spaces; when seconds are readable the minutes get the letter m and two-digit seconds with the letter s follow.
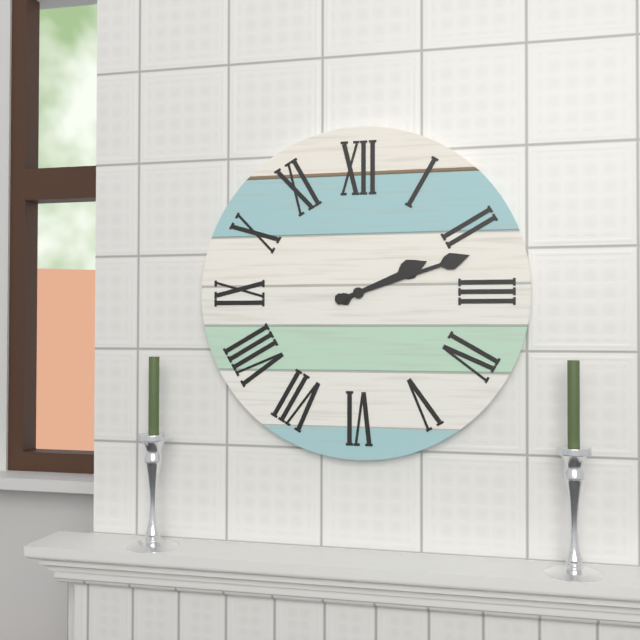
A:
2h12
